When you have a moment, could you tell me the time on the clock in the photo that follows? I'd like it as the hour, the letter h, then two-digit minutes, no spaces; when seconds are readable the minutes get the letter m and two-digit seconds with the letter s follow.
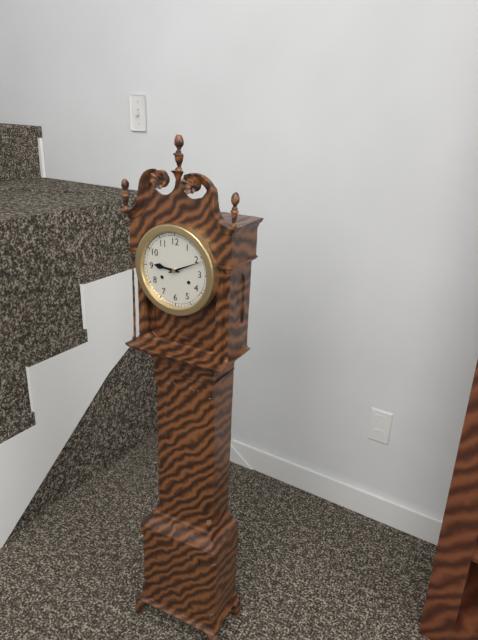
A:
9h11
